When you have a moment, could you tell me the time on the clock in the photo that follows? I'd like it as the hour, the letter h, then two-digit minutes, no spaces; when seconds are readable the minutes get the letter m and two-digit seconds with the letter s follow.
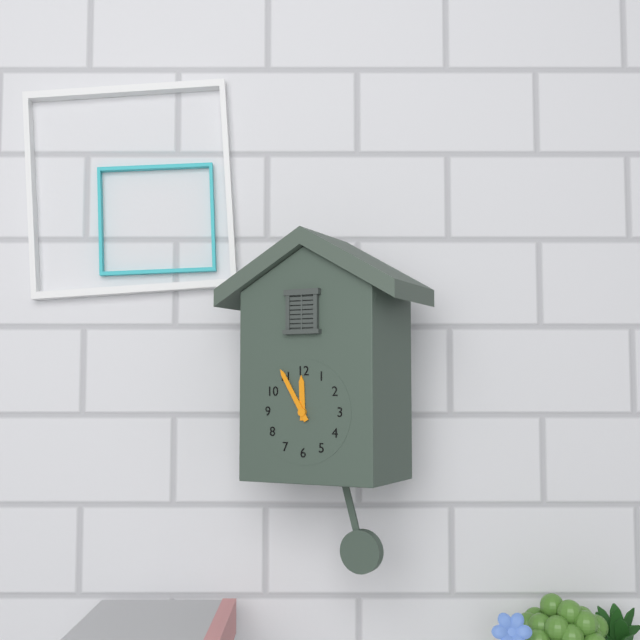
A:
11h55
